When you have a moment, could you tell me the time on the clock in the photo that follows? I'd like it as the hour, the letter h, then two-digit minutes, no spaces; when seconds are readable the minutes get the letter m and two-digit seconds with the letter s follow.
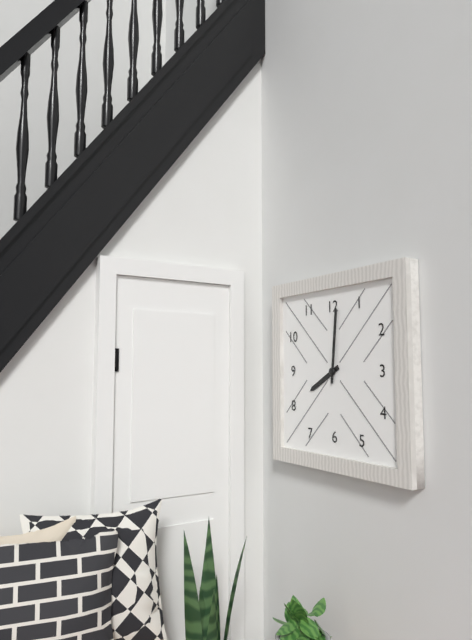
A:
8h01
